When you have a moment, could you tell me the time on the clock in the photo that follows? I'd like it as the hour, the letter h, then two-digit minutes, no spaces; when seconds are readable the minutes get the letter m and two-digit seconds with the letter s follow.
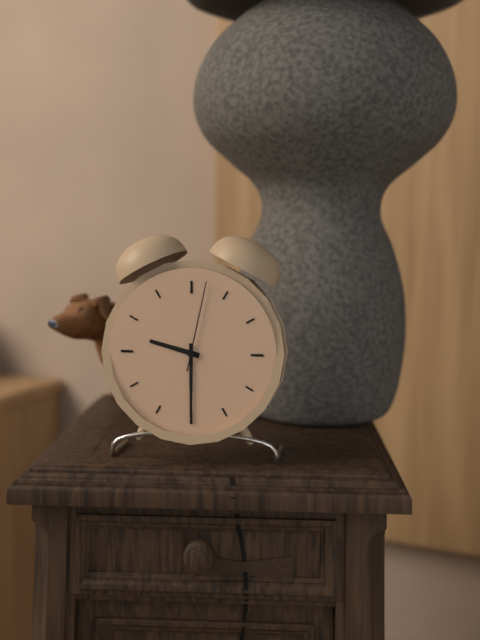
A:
9h30m02s
